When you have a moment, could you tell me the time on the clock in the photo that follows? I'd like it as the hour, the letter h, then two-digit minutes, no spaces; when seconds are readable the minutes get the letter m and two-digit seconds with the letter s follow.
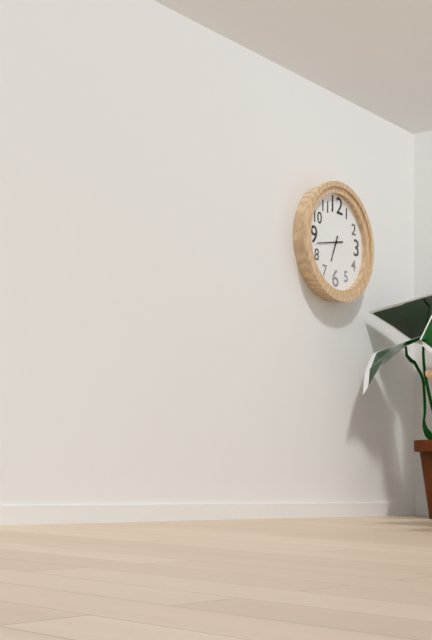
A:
6h43
